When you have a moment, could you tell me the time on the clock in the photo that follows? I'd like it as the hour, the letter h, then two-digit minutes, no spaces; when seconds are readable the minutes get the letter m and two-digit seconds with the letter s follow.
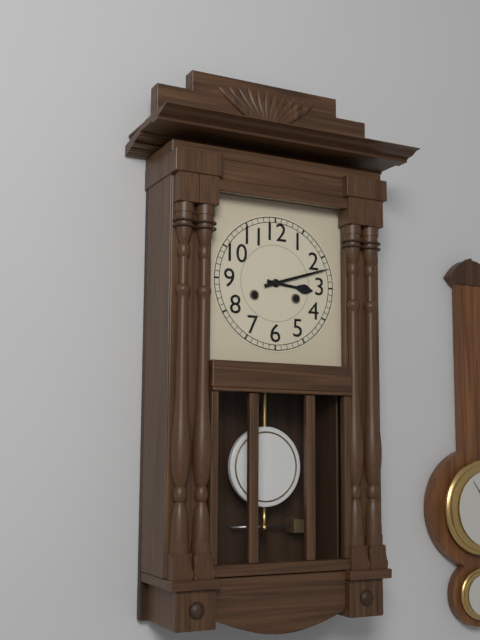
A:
3h12
